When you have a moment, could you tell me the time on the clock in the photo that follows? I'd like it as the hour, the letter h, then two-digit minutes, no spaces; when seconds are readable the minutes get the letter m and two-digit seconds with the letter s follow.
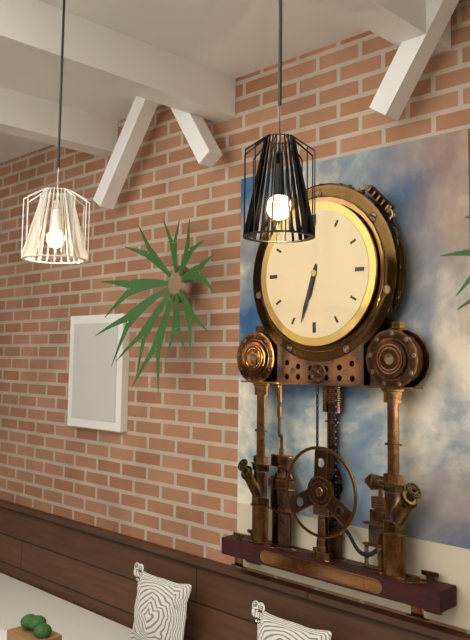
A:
6h33
